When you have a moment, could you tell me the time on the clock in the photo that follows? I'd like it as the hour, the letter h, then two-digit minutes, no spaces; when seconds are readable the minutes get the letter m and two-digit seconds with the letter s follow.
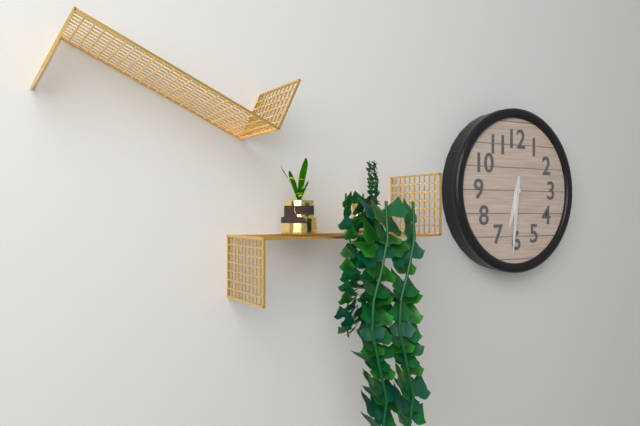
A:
6h31
